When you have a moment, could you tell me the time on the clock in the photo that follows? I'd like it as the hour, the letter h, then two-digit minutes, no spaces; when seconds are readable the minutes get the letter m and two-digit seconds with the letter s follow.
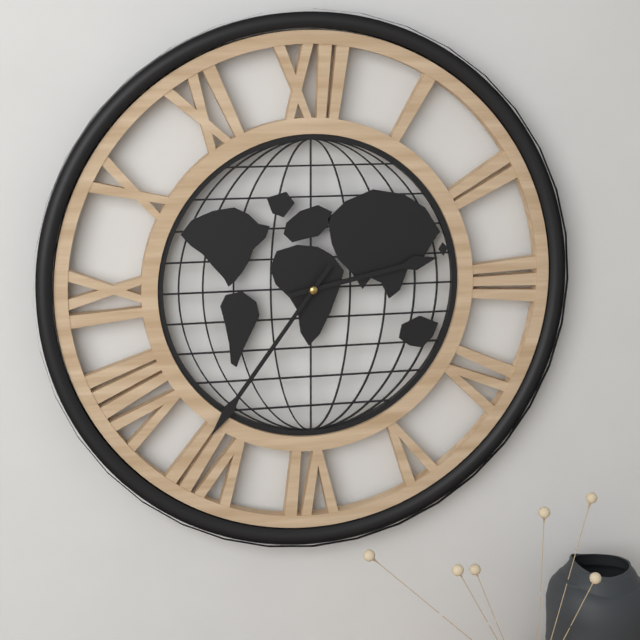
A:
2h36
